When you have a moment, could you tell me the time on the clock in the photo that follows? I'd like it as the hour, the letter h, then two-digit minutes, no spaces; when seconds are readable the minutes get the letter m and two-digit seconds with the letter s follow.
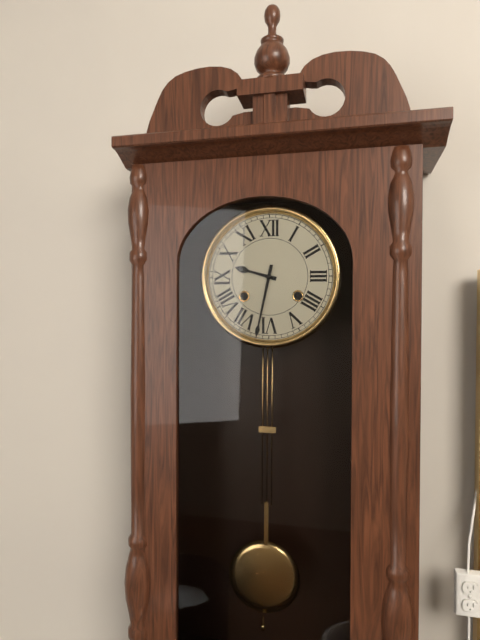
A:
9h32
